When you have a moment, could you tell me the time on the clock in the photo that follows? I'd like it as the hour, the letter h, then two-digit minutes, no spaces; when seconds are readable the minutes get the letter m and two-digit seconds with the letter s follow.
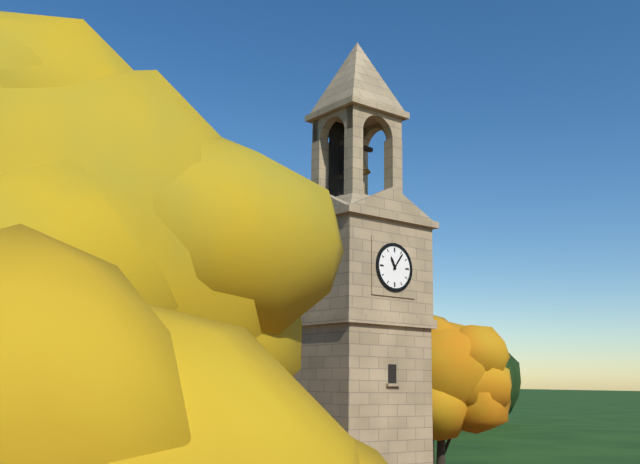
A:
11h06
